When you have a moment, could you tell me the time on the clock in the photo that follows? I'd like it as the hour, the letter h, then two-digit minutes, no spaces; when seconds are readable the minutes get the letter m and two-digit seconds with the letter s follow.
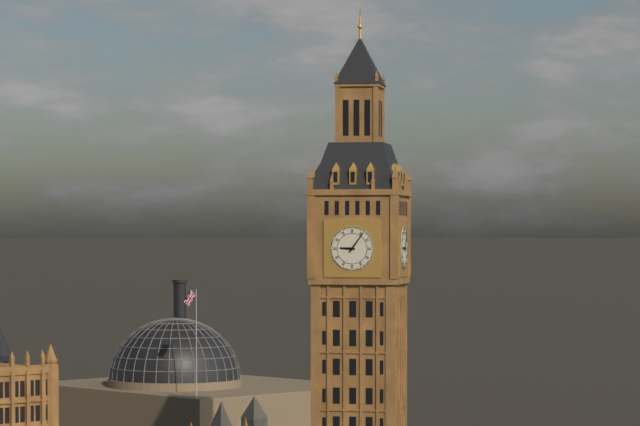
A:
9h06
